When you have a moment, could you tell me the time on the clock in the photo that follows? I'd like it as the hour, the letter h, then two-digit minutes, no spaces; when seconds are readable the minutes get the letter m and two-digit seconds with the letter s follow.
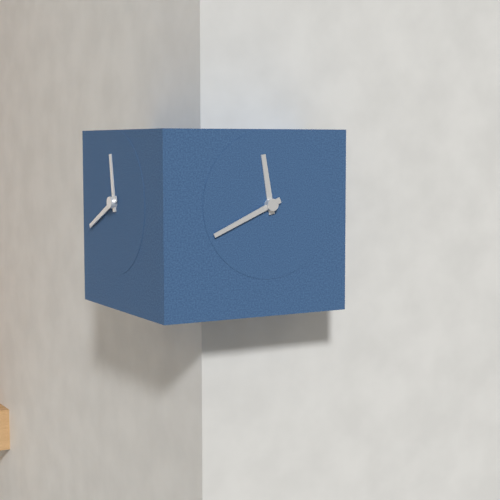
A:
11h41
